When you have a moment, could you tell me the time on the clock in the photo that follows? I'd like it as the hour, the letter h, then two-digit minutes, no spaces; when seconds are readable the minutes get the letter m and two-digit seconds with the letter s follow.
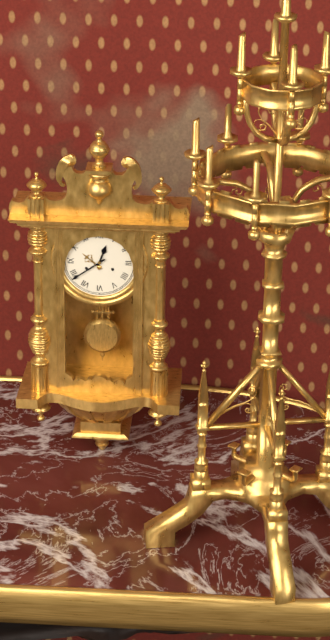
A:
12h39
